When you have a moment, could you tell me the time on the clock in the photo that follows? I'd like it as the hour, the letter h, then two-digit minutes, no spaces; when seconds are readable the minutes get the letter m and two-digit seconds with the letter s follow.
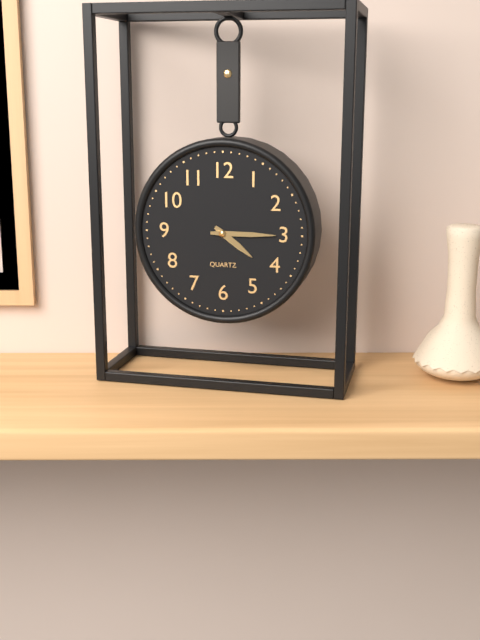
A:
4h15
